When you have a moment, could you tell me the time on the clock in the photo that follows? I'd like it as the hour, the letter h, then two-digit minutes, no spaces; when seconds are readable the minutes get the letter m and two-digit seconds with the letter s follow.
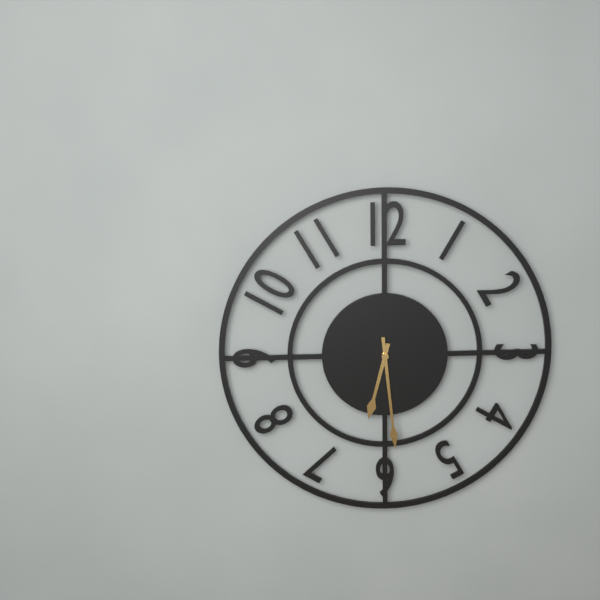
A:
6h29
